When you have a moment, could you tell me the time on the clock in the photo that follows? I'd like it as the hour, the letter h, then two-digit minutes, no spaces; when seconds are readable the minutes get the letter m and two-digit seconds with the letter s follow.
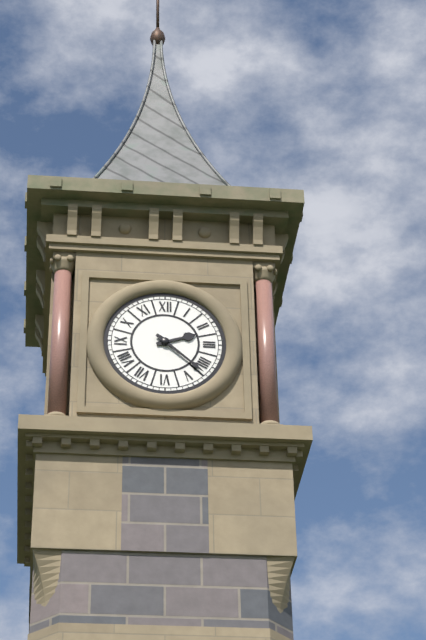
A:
2h22
